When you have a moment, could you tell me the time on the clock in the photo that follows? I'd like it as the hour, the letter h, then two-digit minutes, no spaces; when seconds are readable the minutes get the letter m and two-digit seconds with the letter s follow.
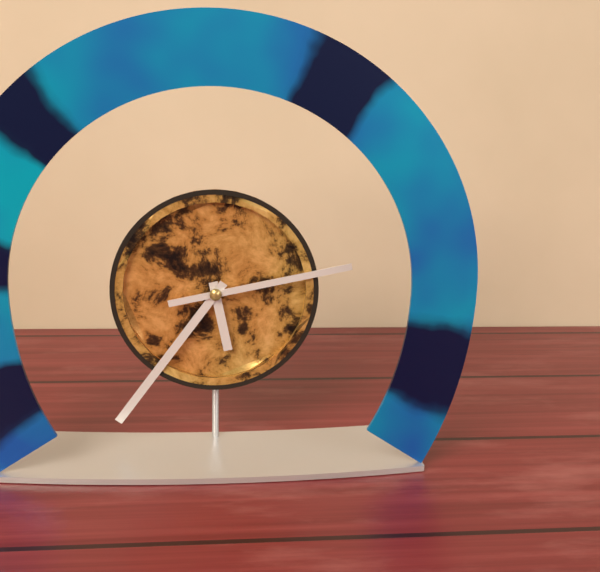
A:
5h36m13s
